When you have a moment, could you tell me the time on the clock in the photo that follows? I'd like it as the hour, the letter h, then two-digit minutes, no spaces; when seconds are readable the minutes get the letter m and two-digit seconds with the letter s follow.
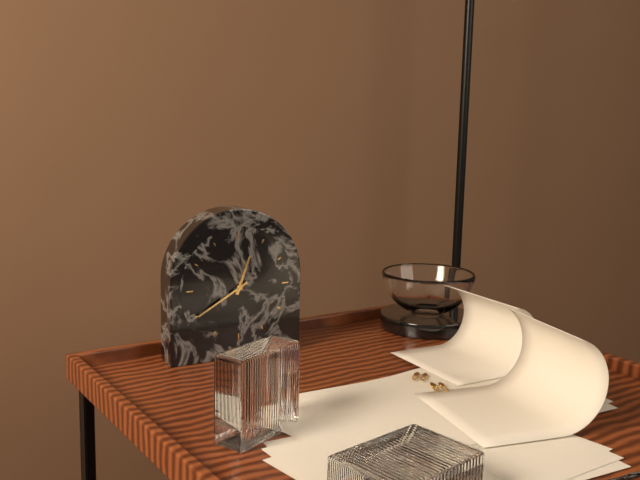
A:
12h40
